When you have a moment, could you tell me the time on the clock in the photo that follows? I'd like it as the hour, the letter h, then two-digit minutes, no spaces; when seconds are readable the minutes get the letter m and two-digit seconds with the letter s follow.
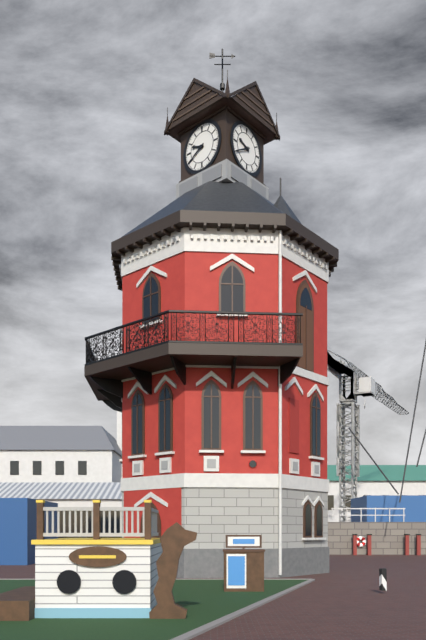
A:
9h40
